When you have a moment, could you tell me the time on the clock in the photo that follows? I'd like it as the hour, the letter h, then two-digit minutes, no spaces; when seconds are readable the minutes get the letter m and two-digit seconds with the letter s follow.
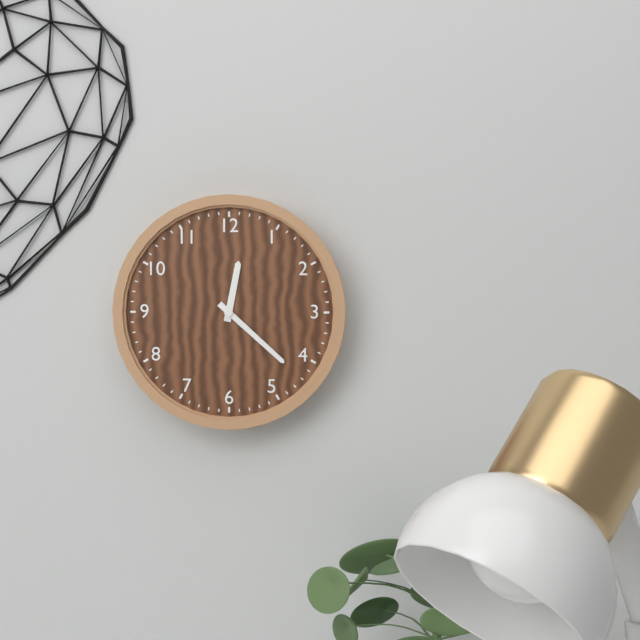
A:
12h22
